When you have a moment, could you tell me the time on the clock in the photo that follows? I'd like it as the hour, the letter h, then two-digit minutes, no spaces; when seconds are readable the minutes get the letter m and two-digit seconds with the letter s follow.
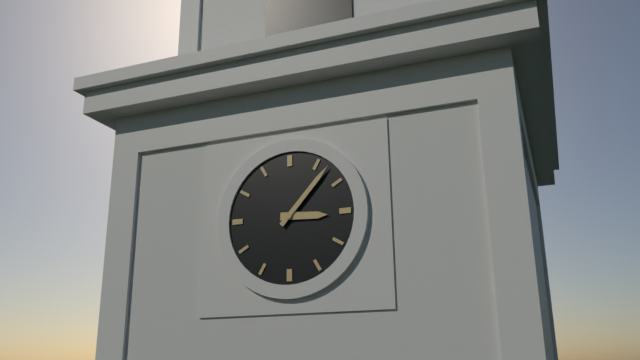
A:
3h07
